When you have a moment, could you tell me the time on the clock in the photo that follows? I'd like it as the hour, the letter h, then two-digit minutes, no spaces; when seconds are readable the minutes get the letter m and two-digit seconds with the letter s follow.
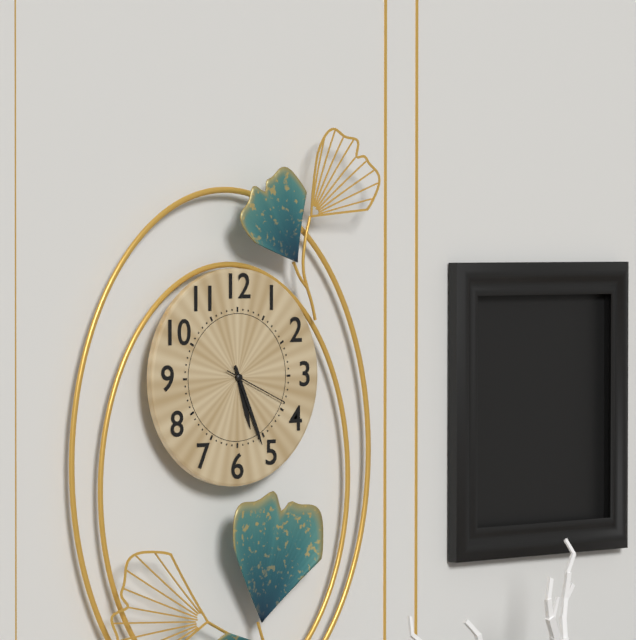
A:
5h26m19s
